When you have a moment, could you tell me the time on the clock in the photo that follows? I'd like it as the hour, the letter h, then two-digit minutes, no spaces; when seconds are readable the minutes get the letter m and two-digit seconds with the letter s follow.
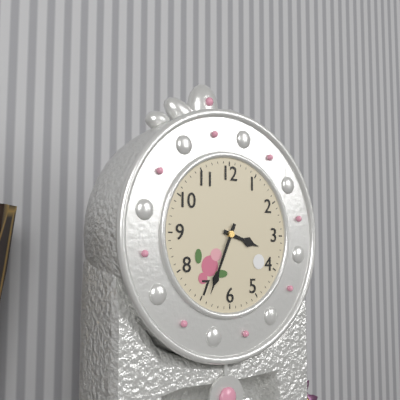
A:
3h34
